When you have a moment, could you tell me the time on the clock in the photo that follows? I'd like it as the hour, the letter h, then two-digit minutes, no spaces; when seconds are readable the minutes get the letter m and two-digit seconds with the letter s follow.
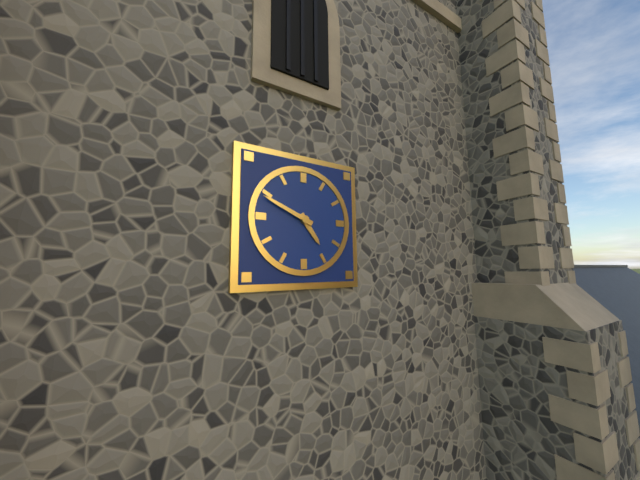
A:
4h49
